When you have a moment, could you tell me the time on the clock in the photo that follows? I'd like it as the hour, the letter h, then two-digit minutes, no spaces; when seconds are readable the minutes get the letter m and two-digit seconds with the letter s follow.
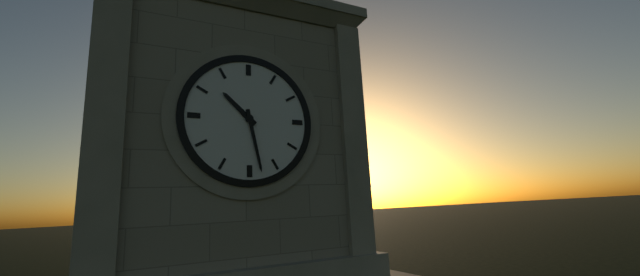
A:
10h28
